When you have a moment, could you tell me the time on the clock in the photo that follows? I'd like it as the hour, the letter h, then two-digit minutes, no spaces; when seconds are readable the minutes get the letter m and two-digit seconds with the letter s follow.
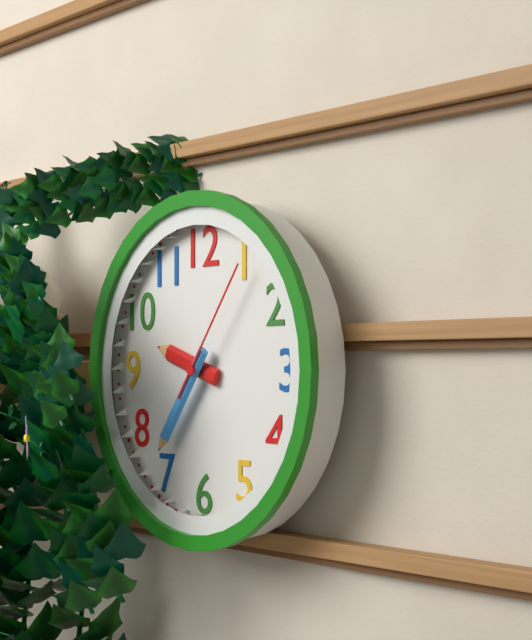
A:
9h36m06s
